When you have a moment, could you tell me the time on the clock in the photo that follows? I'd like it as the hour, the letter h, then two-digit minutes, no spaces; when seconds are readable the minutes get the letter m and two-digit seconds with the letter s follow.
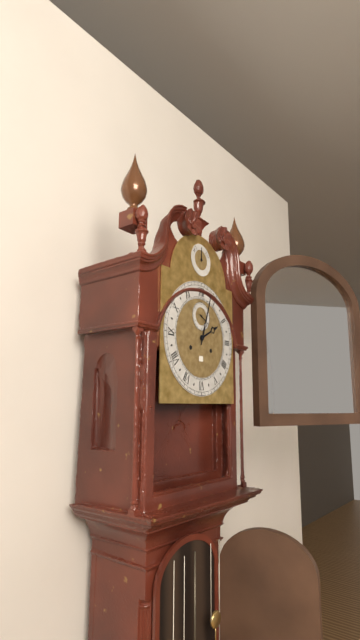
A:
2h03
